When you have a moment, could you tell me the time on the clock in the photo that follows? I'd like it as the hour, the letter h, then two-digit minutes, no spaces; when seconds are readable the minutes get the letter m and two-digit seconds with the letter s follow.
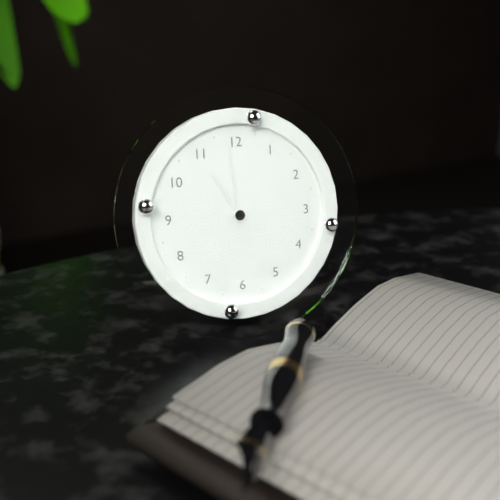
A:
10h59
